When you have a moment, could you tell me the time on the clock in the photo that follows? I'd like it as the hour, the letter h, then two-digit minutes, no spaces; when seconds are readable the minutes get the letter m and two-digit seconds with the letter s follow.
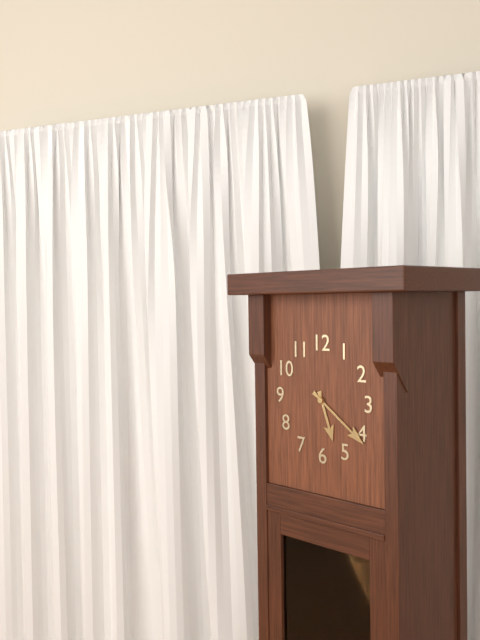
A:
5h21
